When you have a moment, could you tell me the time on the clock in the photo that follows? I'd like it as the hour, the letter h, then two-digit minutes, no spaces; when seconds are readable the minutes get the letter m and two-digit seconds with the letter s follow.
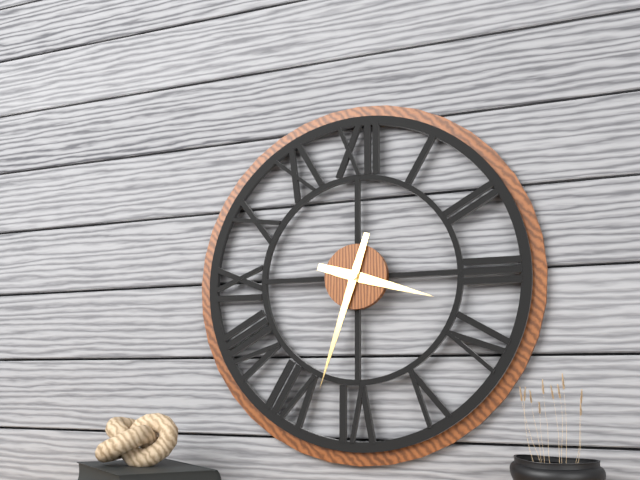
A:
3h33
